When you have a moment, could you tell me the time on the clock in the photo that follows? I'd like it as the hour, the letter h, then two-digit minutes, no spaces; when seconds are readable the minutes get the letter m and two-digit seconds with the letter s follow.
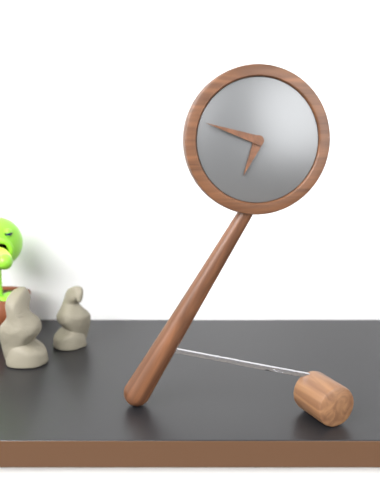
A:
6h48
